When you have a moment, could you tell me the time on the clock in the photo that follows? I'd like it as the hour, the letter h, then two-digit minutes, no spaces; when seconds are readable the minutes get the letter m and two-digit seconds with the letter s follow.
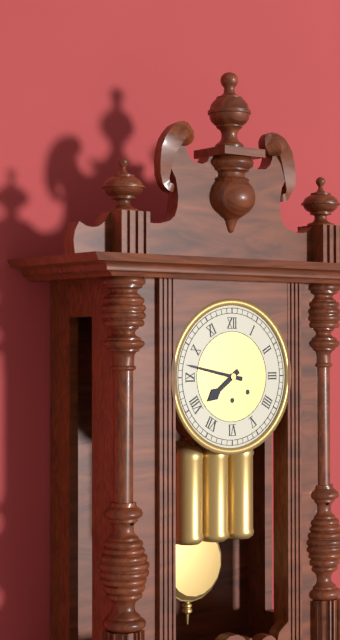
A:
7h47
